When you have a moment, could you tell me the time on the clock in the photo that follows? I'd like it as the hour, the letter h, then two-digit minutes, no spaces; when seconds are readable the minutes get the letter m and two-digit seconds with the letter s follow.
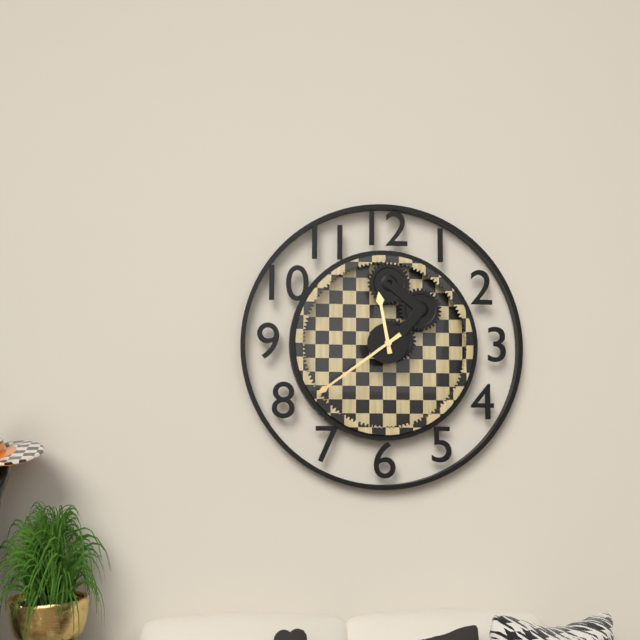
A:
11h39
